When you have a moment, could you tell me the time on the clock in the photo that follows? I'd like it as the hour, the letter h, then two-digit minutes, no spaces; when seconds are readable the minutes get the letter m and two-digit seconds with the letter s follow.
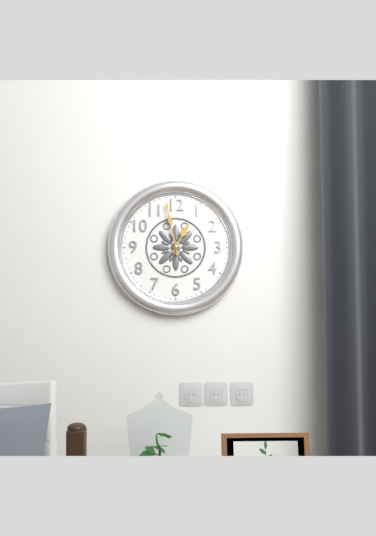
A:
12h58
